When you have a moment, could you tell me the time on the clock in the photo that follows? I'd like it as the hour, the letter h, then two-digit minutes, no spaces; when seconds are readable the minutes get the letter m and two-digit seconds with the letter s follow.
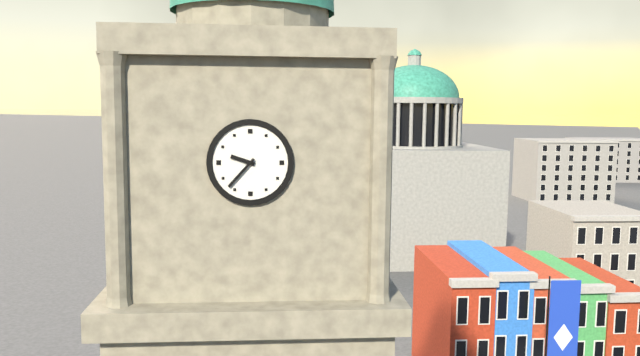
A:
9h37
